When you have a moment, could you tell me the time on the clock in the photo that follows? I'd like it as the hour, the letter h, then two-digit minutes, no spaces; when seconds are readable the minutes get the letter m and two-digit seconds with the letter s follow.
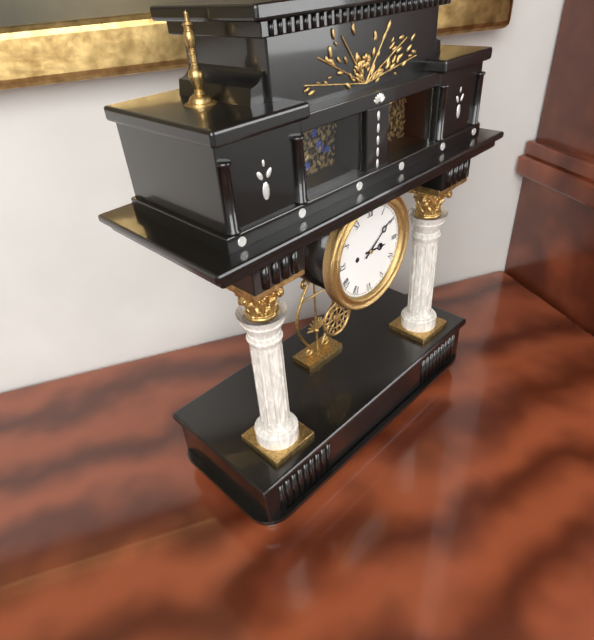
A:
3h09
